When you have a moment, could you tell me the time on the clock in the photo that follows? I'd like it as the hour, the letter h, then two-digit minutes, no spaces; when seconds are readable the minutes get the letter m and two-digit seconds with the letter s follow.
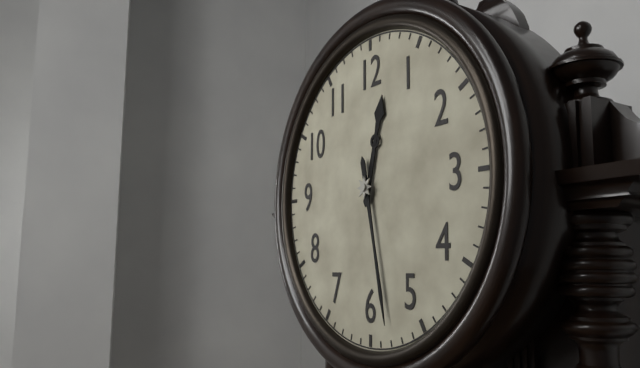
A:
12h28
